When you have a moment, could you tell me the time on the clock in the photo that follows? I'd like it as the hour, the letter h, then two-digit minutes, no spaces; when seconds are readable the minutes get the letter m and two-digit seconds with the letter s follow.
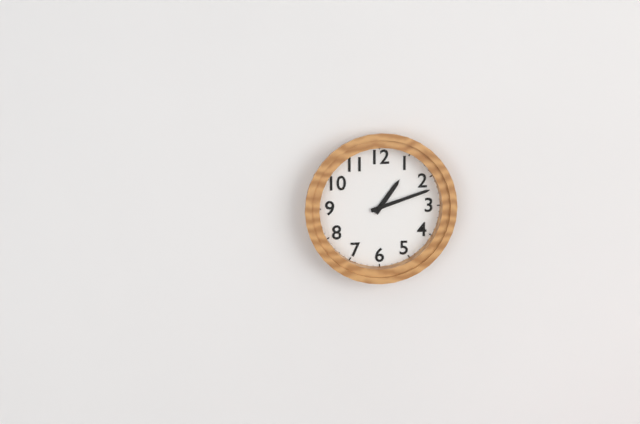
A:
1h12
